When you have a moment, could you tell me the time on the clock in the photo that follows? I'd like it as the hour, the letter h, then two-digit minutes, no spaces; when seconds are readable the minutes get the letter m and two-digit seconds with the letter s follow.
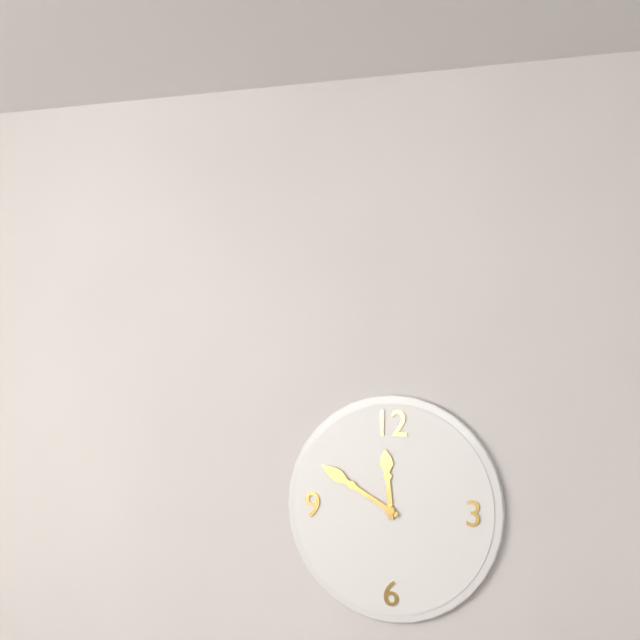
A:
11h50
